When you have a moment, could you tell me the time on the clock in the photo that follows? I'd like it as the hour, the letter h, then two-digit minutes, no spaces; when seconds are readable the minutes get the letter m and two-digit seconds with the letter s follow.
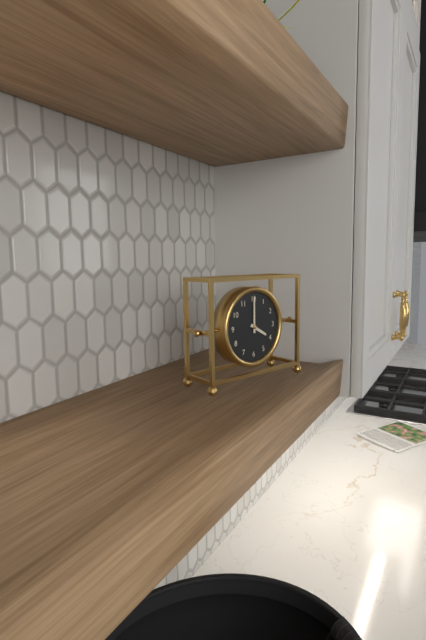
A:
4h00
